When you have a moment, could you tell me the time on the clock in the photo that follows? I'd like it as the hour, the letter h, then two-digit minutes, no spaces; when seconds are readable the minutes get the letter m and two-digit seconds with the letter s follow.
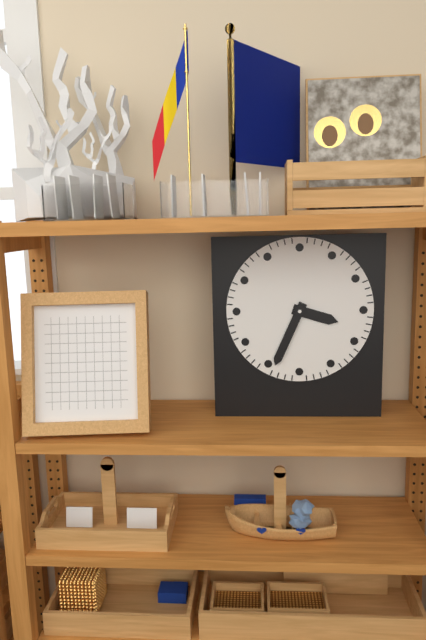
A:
3h34
